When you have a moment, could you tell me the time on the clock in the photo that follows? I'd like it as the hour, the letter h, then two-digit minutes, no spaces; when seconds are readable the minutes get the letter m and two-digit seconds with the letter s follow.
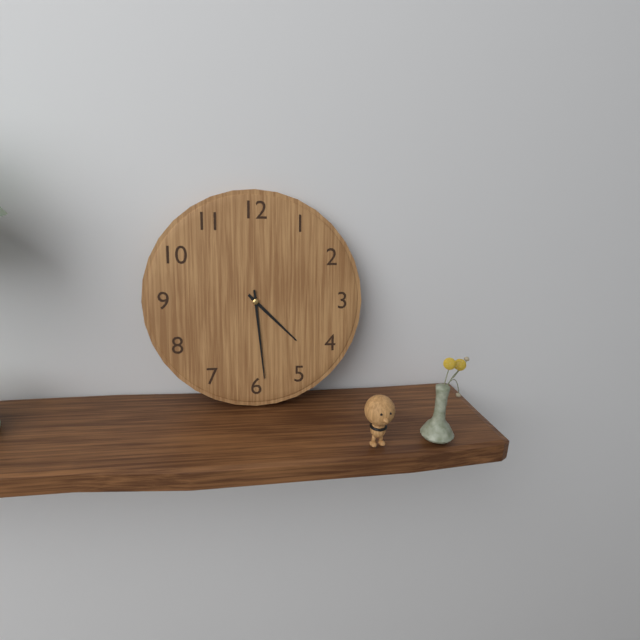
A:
4h29
